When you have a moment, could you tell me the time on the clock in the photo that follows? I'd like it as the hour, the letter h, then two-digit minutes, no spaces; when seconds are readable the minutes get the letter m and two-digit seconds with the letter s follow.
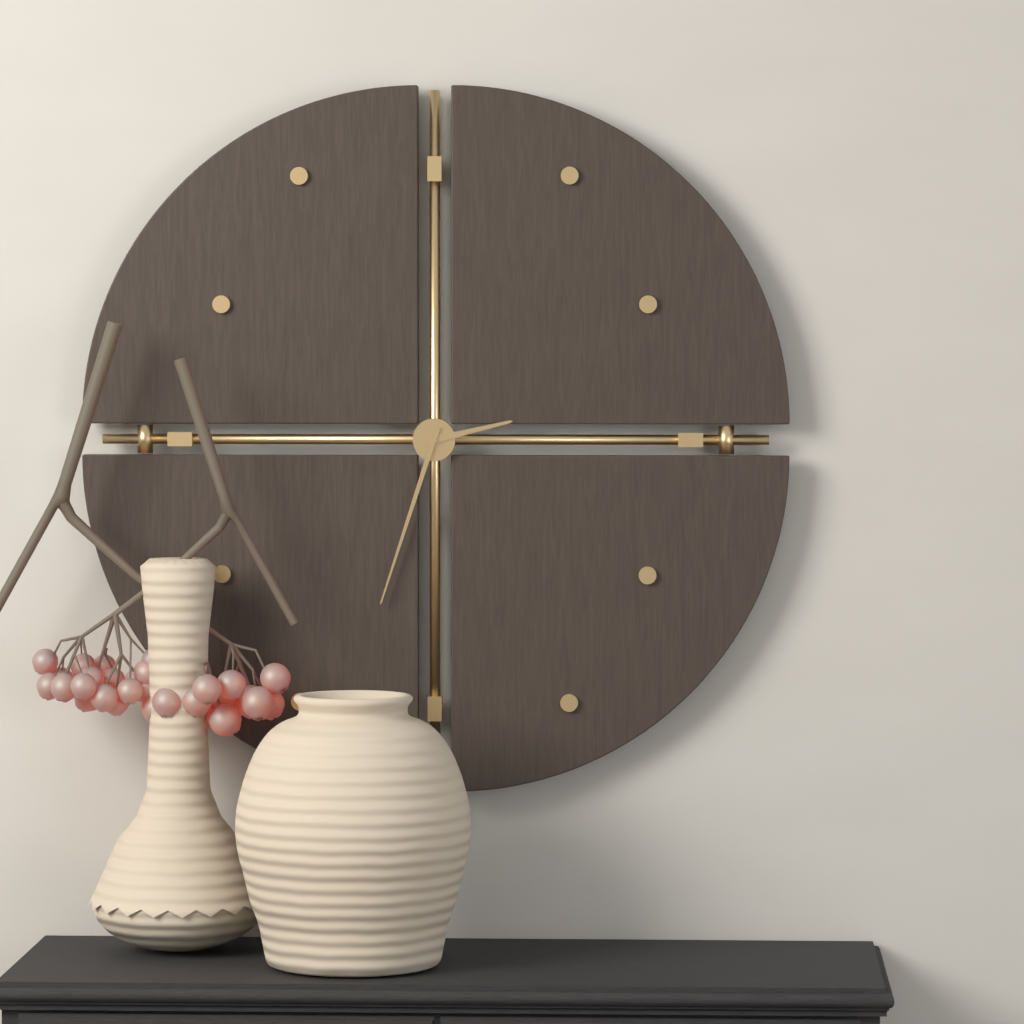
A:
2h33
